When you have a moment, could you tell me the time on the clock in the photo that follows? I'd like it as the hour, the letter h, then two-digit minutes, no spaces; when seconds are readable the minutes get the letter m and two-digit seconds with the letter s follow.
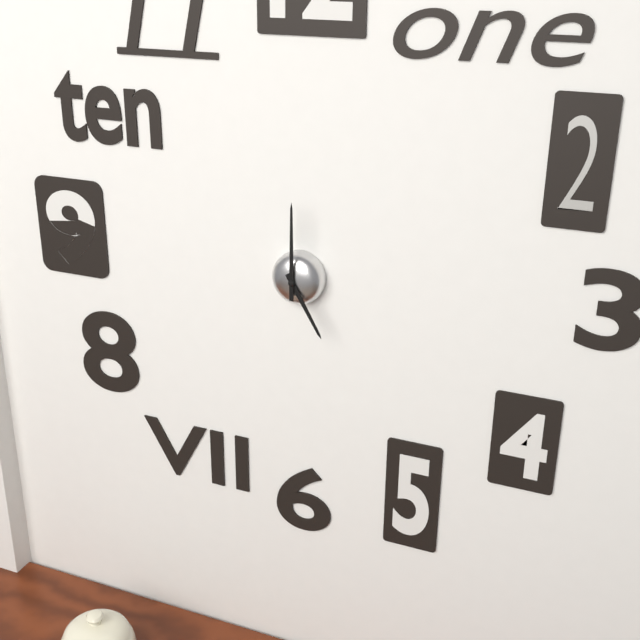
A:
5h00
